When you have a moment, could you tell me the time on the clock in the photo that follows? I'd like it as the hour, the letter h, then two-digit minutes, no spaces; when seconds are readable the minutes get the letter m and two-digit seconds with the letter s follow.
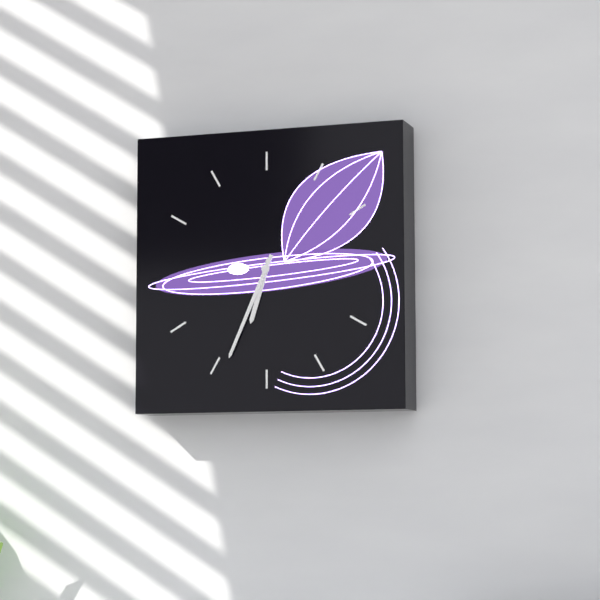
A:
6h34
